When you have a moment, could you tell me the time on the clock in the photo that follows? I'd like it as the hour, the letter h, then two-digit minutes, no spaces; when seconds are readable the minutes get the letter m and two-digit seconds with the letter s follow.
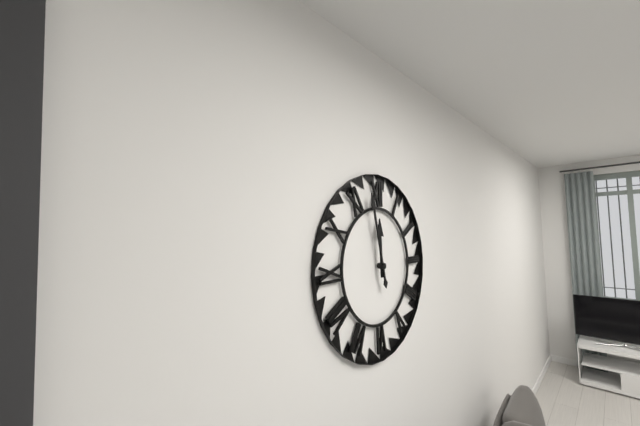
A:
11h58
